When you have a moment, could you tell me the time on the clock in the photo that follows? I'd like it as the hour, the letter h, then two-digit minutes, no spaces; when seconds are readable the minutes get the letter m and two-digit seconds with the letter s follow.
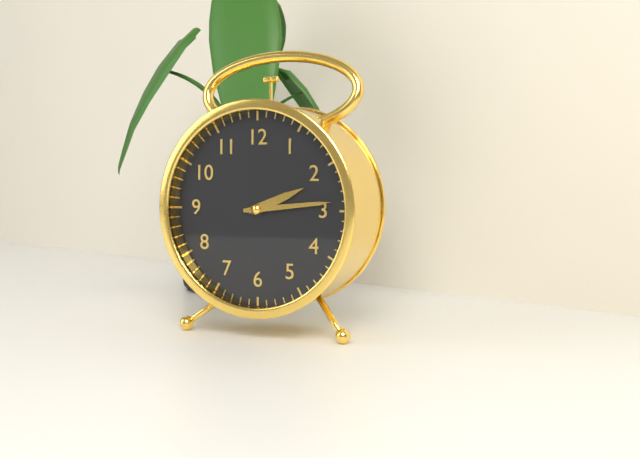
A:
2h14
